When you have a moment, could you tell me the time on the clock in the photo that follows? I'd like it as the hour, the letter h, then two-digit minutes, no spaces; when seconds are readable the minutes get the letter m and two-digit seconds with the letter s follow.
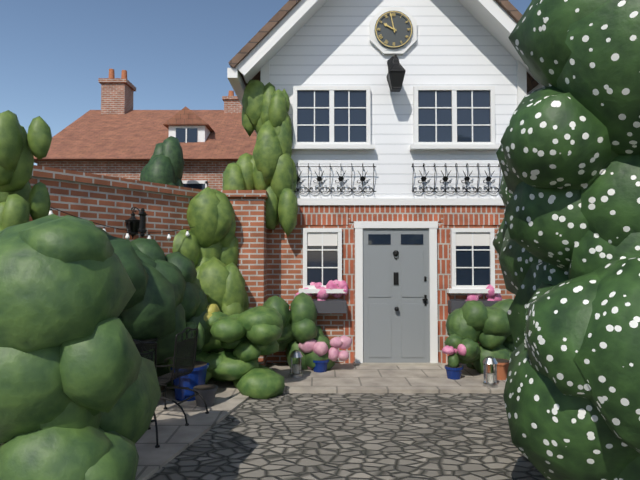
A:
9h58
